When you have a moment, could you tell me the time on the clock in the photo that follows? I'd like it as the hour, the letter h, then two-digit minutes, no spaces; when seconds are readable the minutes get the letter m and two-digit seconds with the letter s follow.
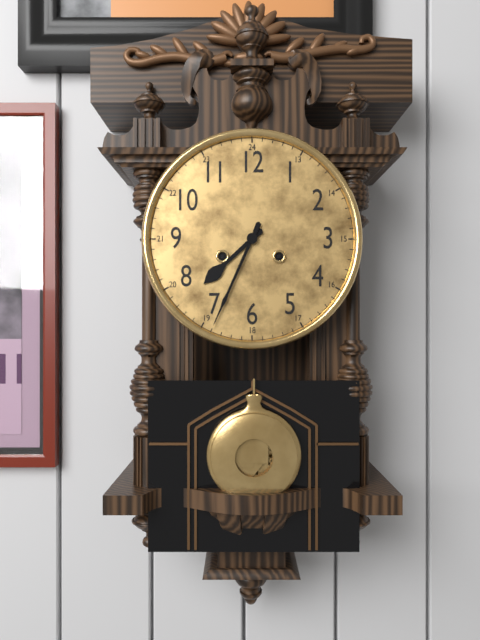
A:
7h34
